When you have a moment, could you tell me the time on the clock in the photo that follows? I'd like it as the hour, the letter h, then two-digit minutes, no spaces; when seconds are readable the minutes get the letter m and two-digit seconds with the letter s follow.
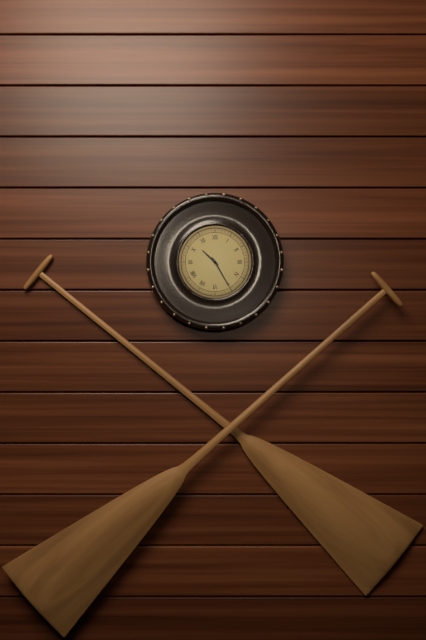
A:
10h25
